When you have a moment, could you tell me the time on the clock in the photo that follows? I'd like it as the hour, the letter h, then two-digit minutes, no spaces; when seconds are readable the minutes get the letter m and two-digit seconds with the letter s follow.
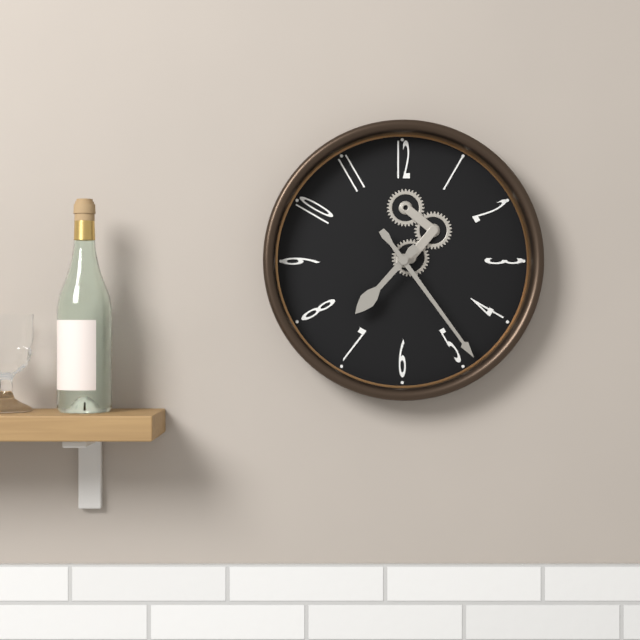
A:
7h24
